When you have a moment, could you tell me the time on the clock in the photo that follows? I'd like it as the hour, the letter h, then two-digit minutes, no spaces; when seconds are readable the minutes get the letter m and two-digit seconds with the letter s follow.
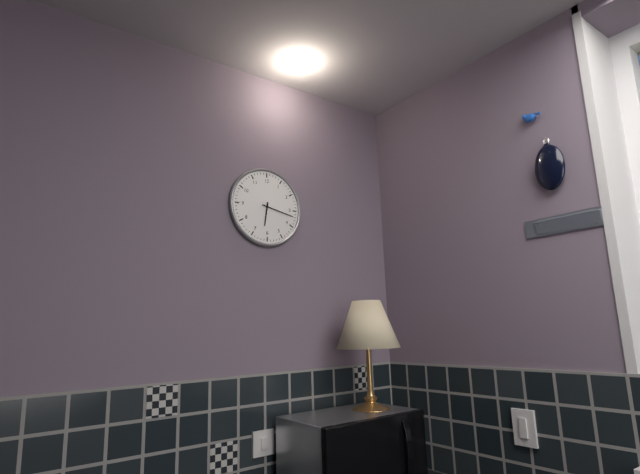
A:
6h17
